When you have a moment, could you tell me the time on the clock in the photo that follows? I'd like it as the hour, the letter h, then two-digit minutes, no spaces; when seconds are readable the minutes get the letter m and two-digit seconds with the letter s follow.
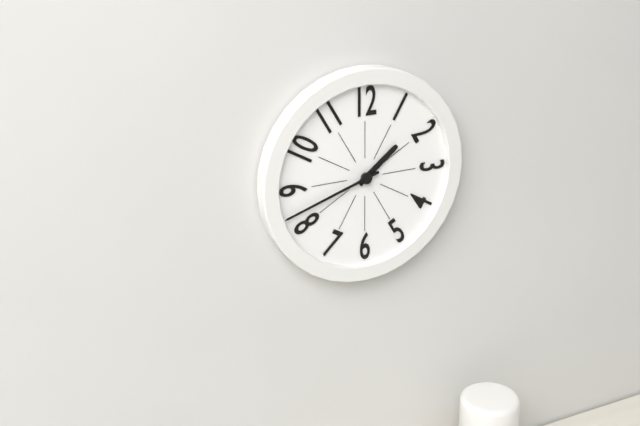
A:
1h42
